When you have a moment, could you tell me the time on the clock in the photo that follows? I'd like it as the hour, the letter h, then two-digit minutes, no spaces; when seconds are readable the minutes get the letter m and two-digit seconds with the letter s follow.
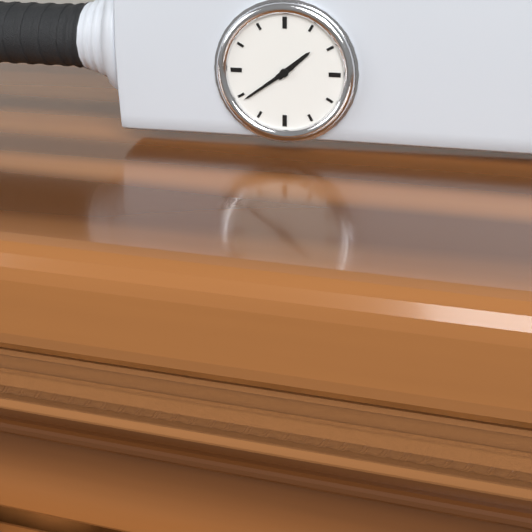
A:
1h39
